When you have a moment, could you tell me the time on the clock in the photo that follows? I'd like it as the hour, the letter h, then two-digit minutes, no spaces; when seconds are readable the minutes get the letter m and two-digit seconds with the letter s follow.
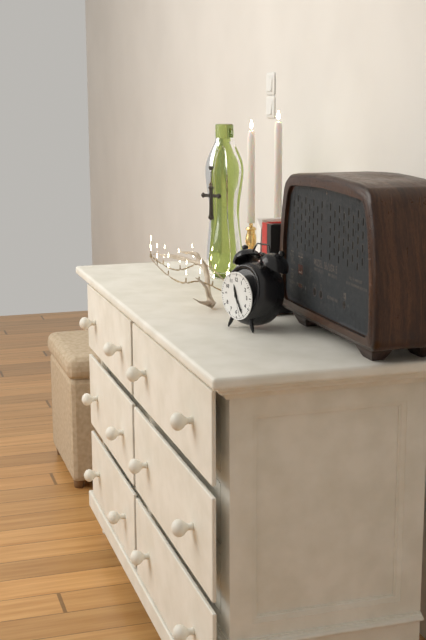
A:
11h25
